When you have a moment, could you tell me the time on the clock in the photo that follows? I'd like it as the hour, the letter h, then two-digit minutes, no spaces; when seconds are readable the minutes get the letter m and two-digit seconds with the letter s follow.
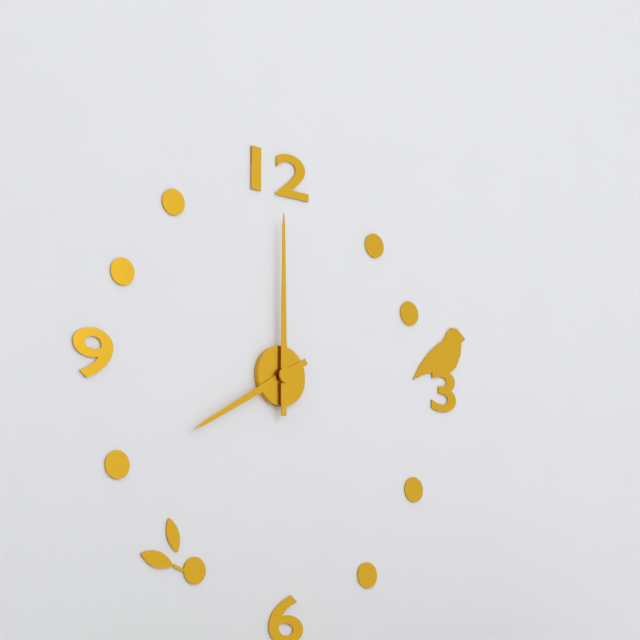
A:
8h00
